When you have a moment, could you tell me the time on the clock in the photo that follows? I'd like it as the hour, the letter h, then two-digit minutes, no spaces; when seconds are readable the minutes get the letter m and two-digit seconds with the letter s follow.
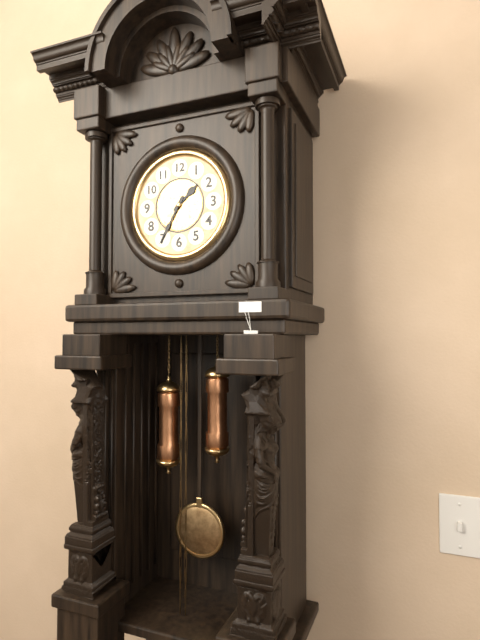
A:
1h35
